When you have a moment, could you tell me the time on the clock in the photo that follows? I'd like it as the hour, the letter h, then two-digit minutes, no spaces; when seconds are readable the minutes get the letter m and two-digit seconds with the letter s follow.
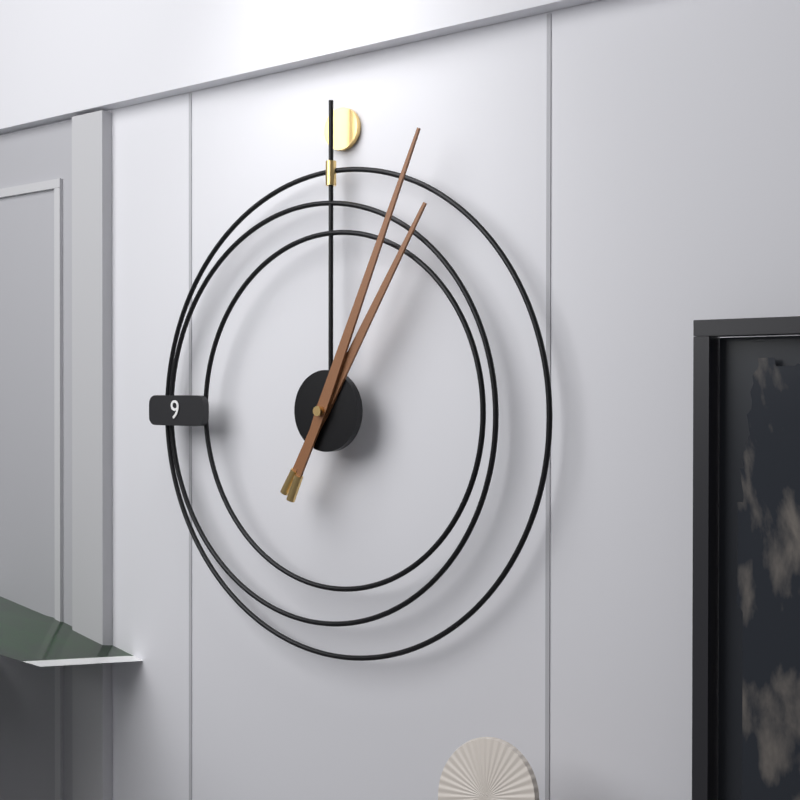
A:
1h04
